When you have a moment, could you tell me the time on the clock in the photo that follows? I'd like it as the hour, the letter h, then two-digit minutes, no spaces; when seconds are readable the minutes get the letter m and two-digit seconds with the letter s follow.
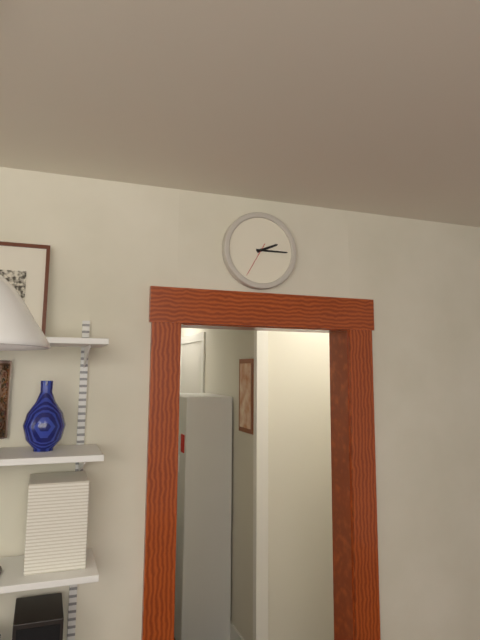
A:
2h15
